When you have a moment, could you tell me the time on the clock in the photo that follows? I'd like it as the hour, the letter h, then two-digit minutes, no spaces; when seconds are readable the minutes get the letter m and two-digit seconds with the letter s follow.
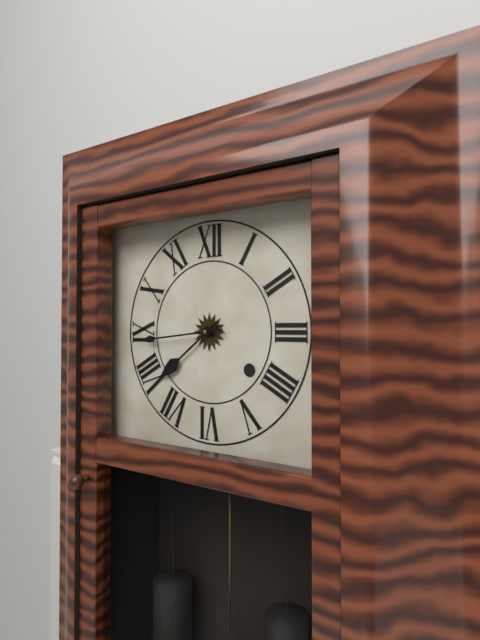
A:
7h44
